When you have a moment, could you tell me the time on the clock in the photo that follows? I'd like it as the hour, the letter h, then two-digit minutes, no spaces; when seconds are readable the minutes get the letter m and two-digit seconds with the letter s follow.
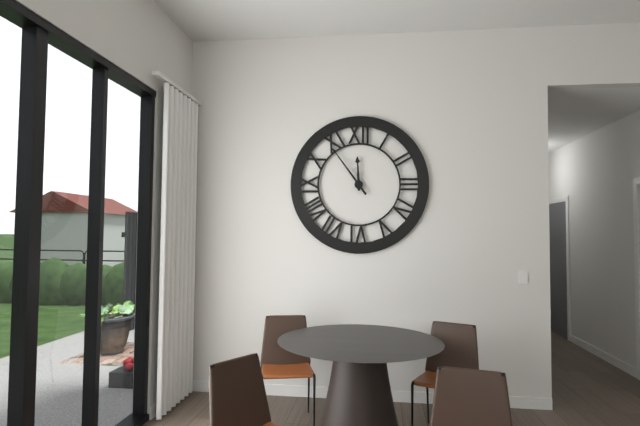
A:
11h54
